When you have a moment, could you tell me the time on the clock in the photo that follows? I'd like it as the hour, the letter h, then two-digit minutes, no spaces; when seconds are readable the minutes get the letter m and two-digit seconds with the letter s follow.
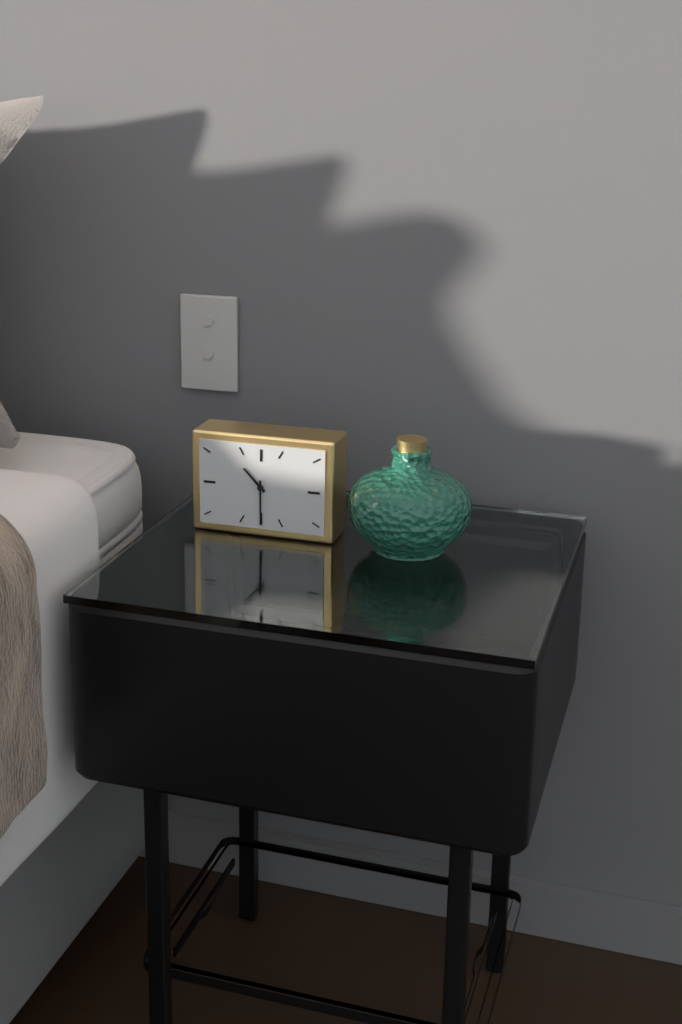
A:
10h30
